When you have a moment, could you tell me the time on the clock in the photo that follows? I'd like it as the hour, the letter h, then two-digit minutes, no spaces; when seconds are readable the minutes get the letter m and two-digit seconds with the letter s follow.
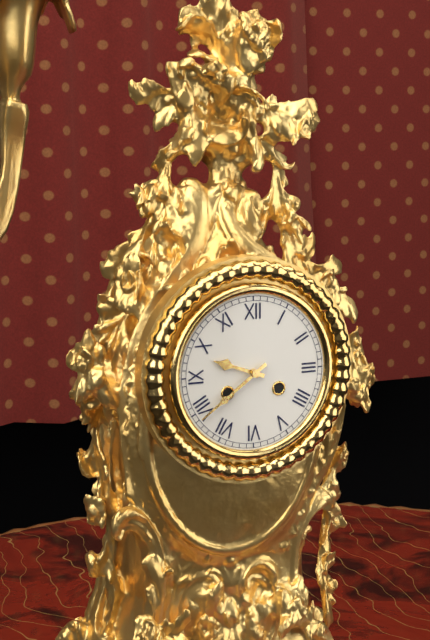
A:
9h39
